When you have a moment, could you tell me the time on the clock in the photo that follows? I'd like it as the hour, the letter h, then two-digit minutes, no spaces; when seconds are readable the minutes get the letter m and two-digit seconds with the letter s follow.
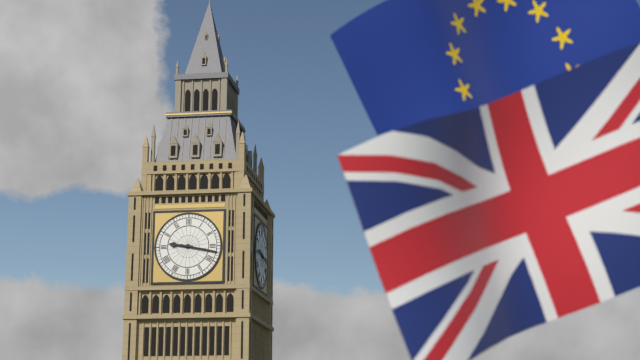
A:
9h17
